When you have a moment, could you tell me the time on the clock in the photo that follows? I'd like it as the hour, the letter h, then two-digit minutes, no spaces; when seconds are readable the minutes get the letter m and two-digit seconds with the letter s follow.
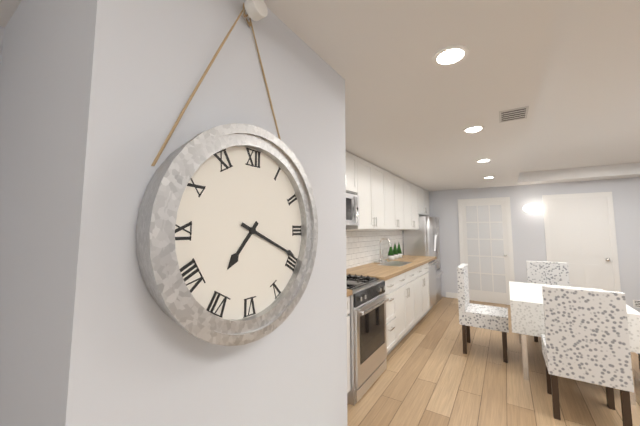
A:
7h19
